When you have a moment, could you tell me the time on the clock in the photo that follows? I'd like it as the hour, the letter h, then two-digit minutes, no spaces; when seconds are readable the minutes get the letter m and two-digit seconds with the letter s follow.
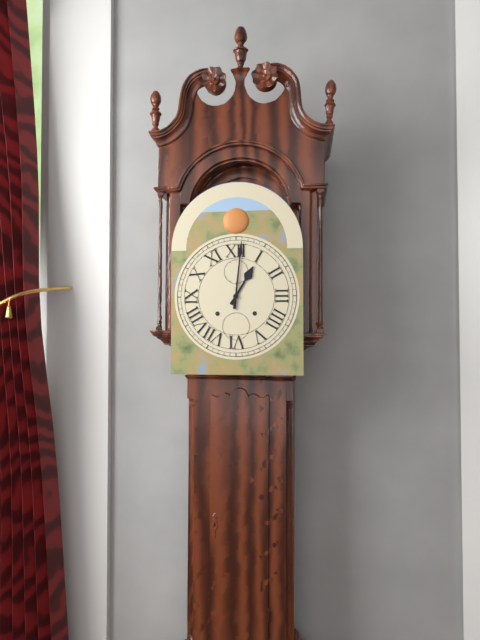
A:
1h01
